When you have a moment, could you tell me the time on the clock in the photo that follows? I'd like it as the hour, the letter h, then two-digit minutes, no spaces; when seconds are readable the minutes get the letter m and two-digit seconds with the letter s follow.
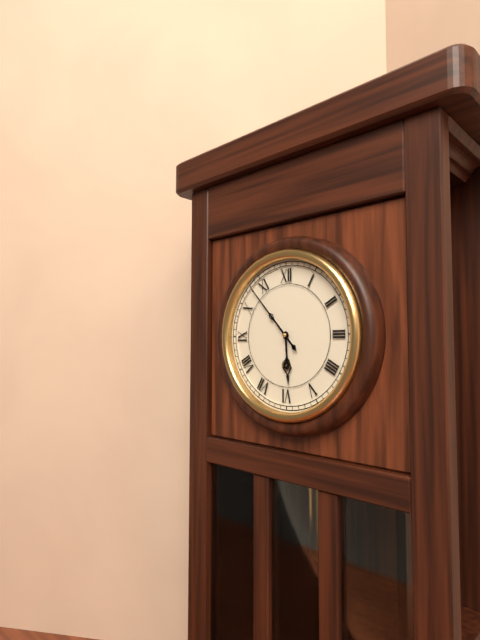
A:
5h53
